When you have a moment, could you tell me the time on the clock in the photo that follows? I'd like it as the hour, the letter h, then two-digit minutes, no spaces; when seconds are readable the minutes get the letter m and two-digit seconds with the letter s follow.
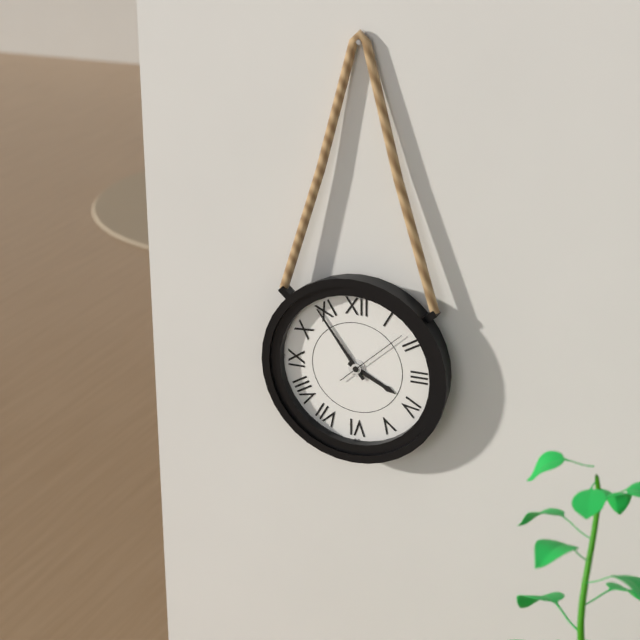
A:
3h54m08s
